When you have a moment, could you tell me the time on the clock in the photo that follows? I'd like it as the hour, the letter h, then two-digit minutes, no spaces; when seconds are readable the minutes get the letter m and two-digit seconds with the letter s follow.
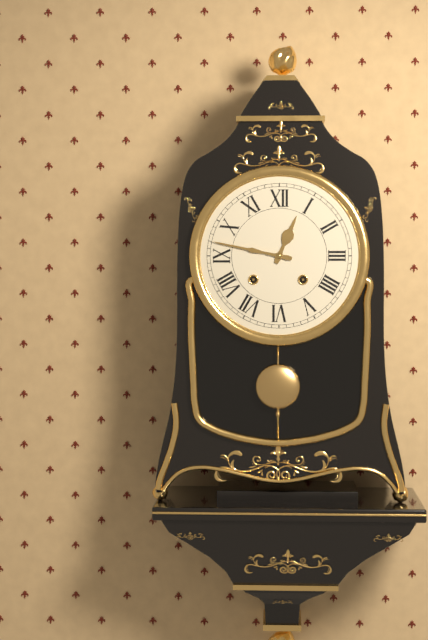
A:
12h47
